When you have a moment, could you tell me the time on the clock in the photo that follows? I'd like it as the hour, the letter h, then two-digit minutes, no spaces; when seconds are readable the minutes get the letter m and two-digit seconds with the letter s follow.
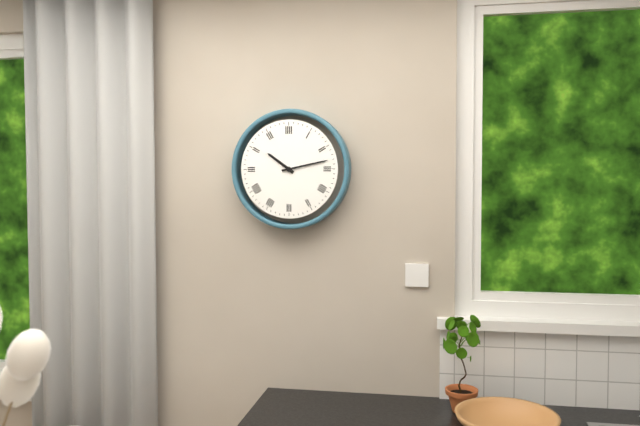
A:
10h13
